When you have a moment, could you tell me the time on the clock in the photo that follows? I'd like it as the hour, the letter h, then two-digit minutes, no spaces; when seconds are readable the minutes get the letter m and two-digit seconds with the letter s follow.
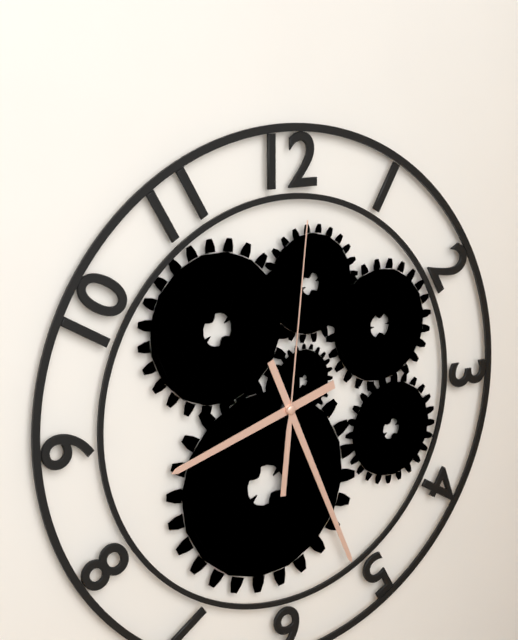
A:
8h26m01s
